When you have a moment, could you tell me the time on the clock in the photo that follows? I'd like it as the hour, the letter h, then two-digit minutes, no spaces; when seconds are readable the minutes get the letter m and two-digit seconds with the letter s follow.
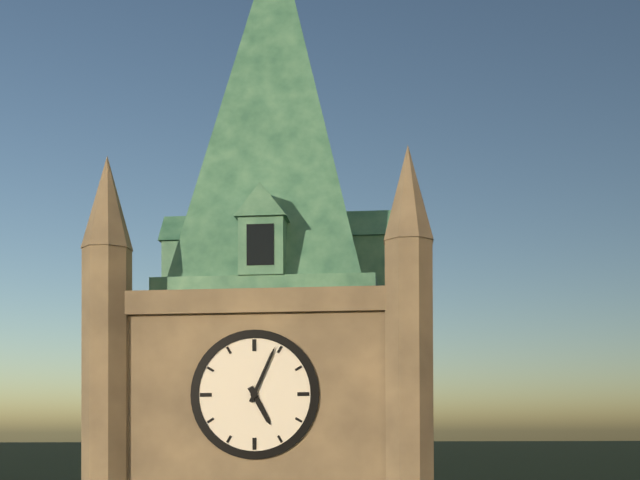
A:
5h04
